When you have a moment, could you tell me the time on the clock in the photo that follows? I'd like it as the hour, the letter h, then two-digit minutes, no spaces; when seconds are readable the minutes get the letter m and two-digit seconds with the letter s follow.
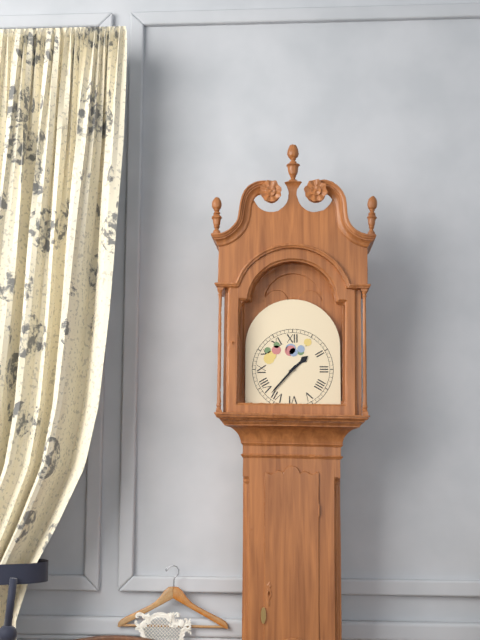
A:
1h37
